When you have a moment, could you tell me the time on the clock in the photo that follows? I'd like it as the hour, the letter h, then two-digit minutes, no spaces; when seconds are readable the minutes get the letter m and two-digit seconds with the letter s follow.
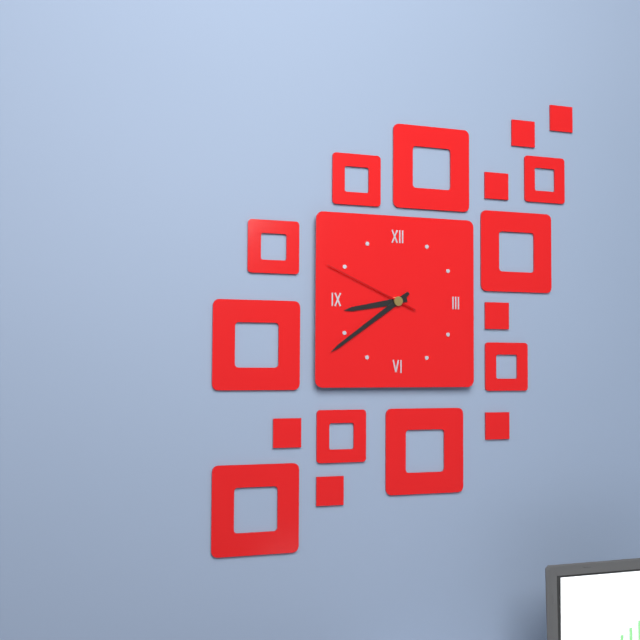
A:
8h39m49s
